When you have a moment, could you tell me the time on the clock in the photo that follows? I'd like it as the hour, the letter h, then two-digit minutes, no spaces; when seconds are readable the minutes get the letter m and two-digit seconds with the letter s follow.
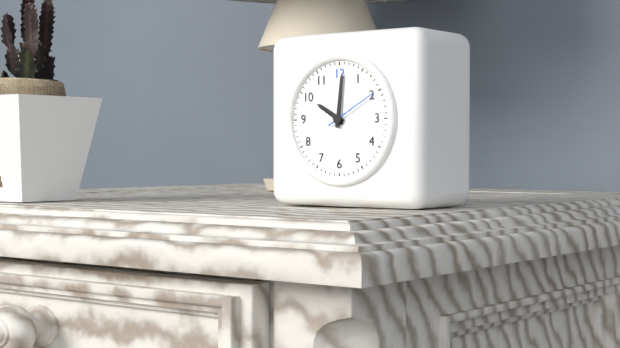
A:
10h01m10s
